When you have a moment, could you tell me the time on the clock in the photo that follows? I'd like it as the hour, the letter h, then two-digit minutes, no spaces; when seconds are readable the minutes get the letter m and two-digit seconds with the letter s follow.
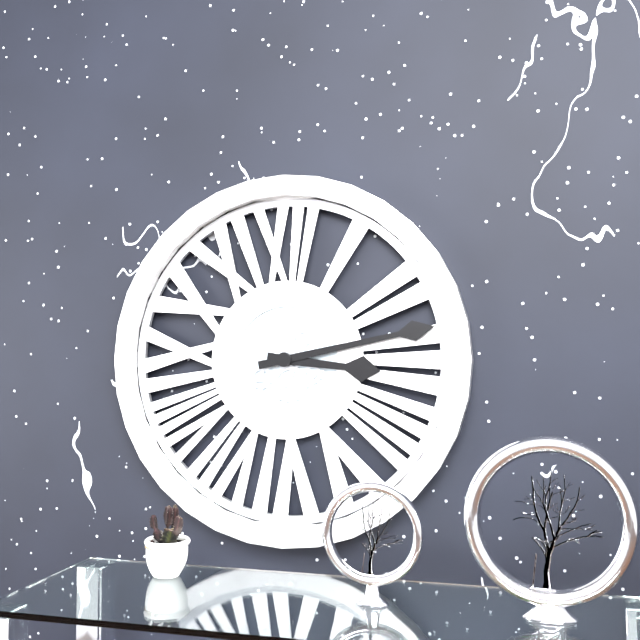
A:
3h13
